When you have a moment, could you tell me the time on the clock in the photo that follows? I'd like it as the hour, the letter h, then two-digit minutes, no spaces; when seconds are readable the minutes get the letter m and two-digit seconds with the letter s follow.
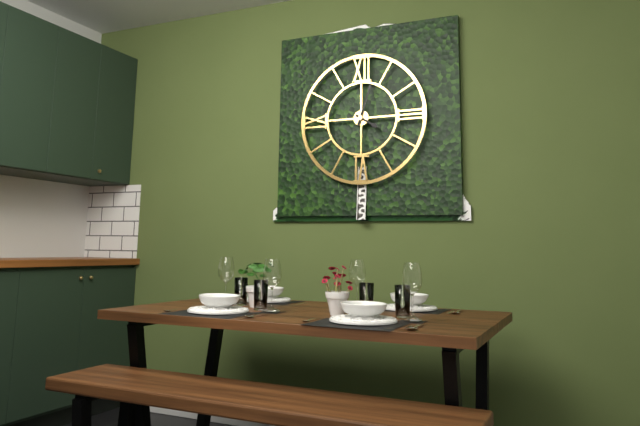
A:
4h03
